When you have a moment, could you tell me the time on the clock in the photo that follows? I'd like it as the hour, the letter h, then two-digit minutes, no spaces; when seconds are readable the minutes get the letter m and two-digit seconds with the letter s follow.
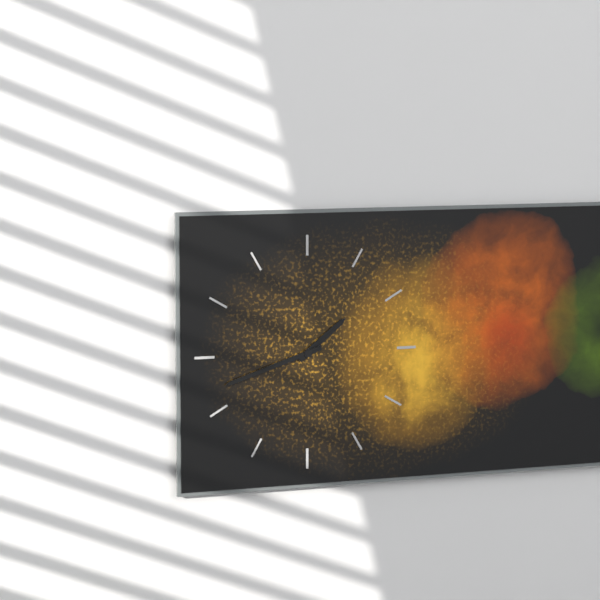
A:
1h42
